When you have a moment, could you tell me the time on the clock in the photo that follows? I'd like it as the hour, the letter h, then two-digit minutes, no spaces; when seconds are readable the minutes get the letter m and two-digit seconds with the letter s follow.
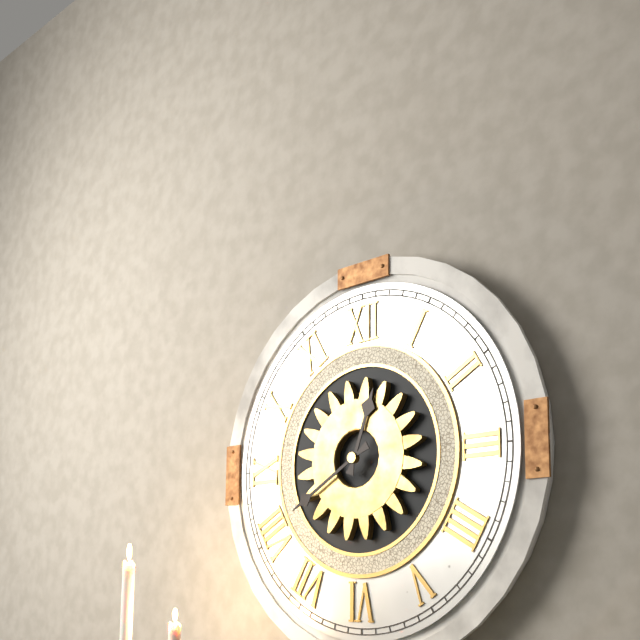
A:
12h40
